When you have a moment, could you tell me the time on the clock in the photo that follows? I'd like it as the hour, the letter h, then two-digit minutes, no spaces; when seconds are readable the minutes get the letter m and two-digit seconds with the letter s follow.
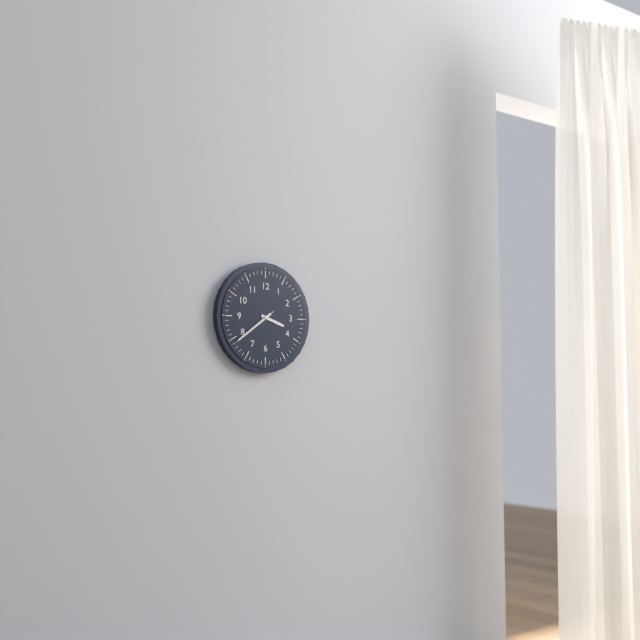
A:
3h39
